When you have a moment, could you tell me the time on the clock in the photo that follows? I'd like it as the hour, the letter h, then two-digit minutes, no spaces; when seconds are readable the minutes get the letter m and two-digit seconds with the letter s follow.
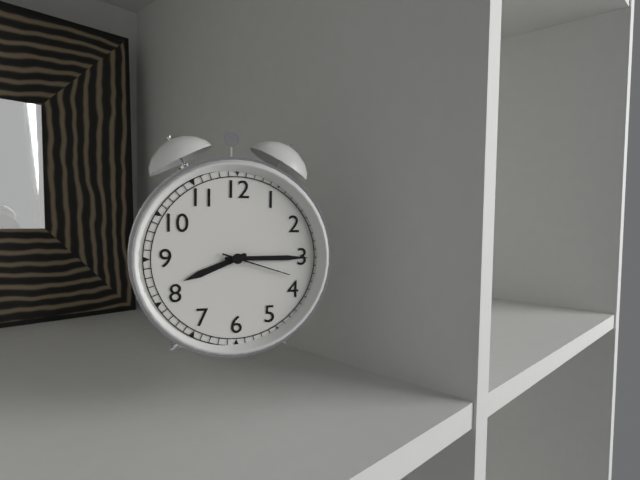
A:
8h15m18s
